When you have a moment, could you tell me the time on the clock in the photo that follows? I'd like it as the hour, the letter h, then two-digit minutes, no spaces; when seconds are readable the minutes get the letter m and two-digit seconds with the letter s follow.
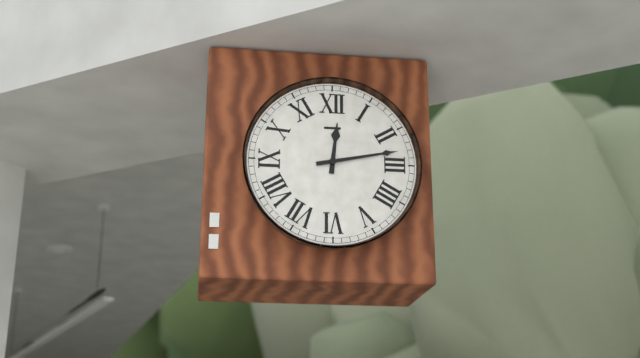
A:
12h13
